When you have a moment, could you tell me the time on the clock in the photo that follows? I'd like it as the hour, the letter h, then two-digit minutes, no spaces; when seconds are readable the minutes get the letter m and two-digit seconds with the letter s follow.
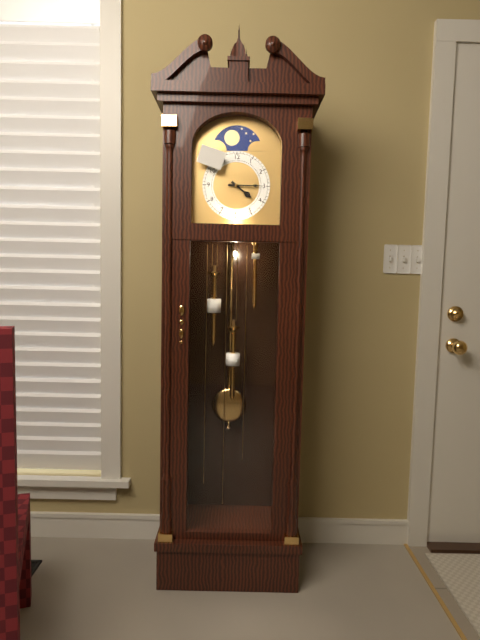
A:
4h15
